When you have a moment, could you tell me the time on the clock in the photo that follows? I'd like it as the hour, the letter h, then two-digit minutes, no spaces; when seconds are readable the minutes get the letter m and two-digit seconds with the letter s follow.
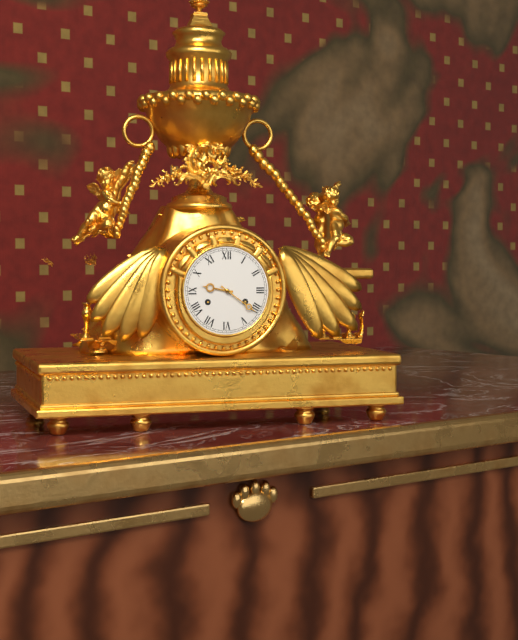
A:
9h21
